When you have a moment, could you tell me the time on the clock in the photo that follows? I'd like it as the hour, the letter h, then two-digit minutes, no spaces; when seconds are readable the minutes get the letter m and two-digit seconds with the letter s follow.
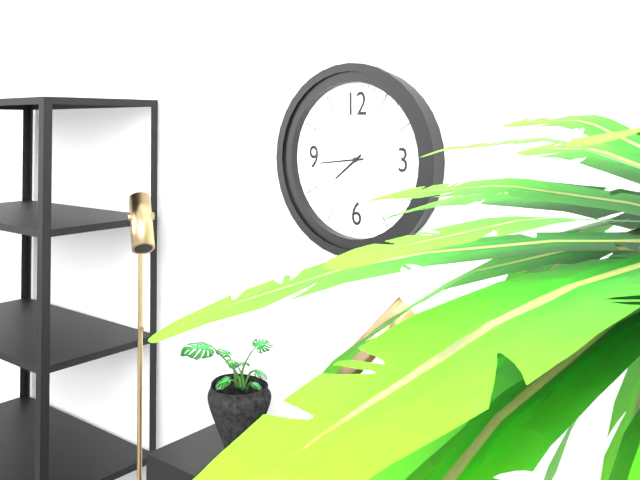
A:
7h44
